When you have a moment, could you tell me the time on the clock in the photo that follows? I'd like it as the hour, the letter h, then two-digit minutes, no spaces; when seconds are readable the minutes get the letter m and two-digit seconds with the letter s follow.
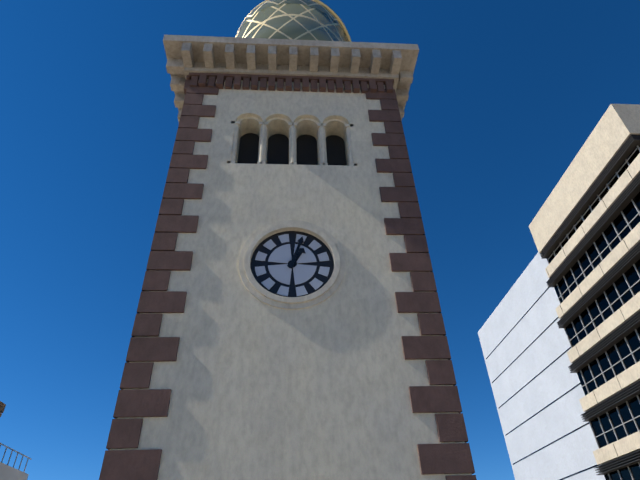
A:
1h03
